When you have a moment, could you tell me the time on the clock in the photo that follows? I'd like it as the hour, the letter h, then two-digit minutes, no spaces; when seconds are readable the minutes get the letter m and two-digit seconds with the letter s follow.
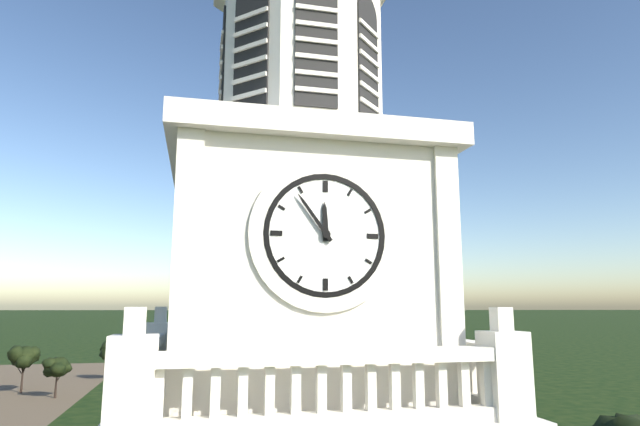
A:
11h54
